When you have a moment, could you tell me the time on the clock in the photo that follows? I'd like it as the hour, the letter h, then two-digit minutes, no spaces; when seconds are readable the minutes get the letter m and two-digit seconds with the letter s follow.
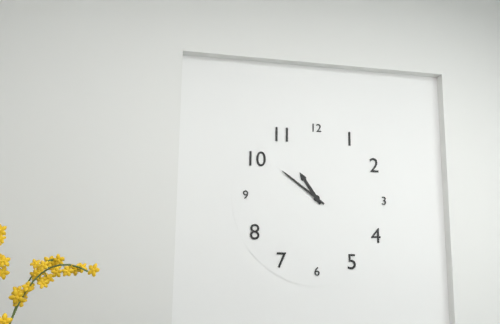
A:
10h51
